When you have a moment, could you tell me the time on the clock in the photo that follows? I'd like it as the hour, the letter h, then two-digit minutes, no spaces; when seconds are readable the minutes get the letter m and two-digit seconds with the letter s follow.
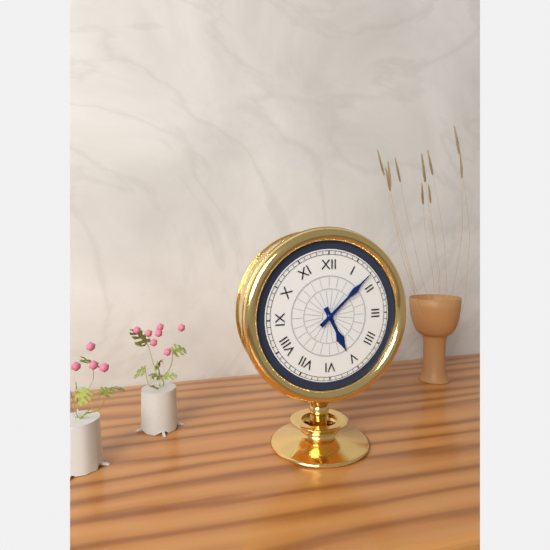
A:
5h08
